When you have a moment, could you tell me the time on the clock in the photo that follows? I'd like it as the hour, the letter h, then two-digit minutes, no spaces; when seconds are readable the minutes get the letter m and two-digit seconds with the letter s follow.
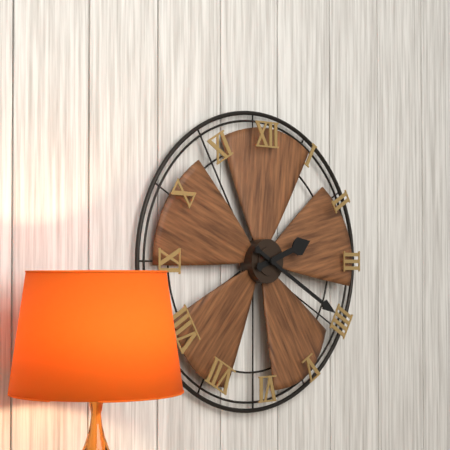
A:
2h20
